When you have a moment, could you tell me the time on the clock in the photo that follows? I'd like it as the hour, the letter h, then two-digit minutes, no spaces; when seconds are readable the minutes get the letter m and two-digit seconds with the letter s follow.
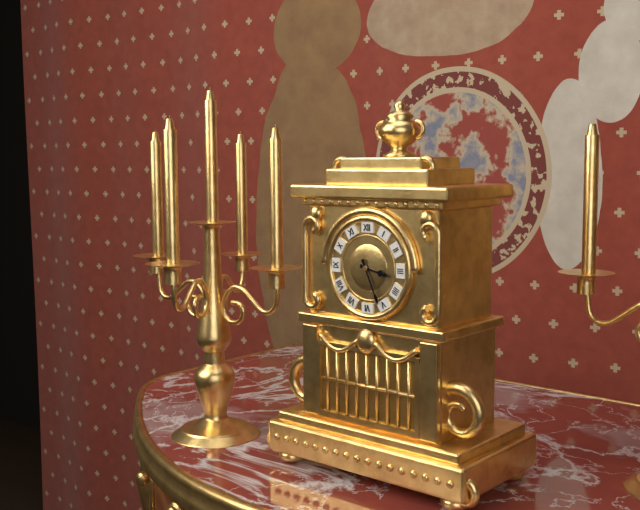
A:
3h26
